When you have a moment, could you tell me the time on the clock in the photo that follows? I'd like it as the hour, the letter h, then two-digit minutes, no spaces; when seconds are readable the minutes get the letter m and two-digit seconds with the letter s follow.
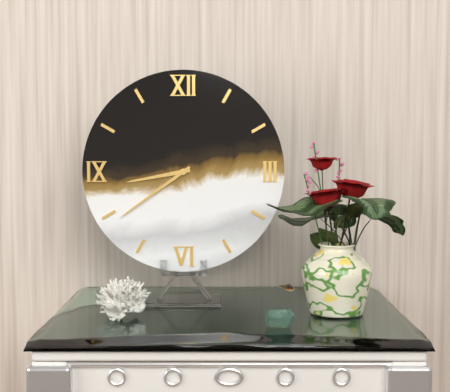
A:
8h39
